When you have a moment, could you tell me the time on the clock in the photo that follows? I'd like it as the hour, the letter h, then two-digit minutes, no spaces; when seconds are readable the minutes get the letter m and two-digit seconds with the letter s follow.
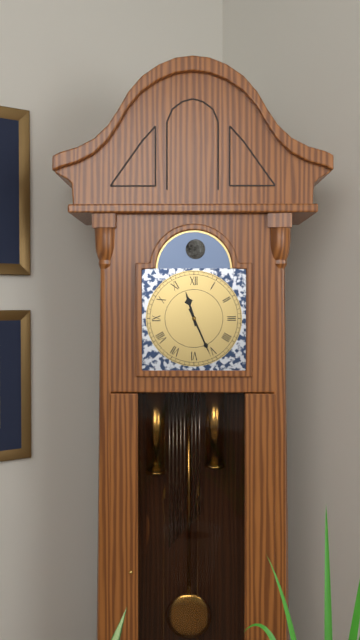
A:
11h26
